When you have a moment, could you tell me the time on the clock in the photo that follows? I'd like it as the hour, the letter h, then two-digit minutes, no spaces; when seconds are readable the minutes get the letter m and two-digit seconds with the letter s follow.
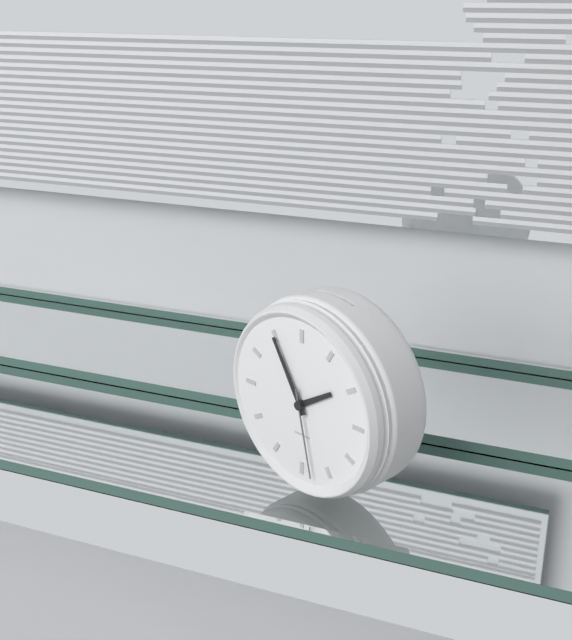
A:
1h55m28s
